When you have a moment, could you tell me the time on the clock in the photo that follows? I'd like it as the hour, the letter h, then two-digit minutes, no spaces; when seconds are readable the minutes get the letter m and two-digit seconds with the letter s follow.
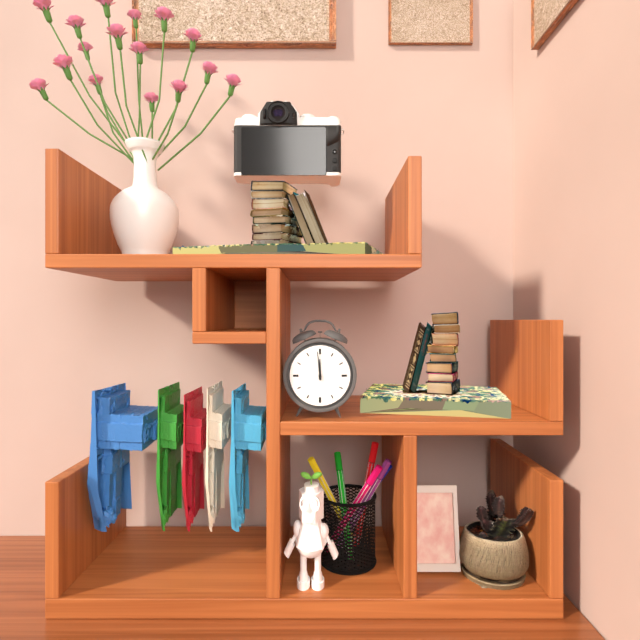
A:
11h59
